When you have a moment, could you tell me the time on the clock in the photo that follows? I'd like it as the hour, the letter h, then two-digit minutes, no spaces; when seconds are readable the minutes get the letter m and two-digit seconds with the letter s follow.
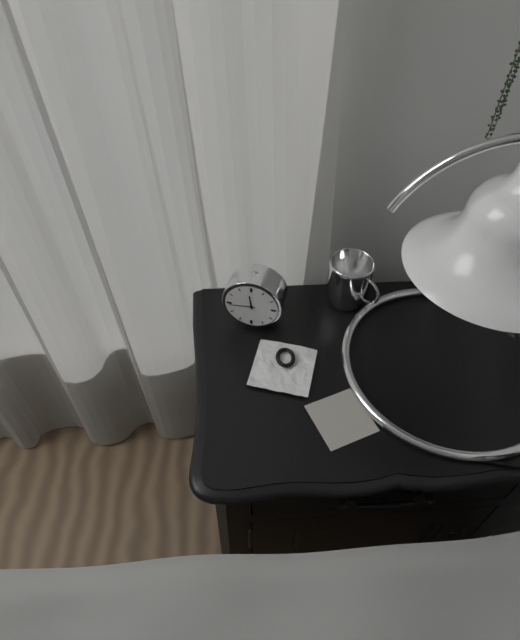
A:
11h44
